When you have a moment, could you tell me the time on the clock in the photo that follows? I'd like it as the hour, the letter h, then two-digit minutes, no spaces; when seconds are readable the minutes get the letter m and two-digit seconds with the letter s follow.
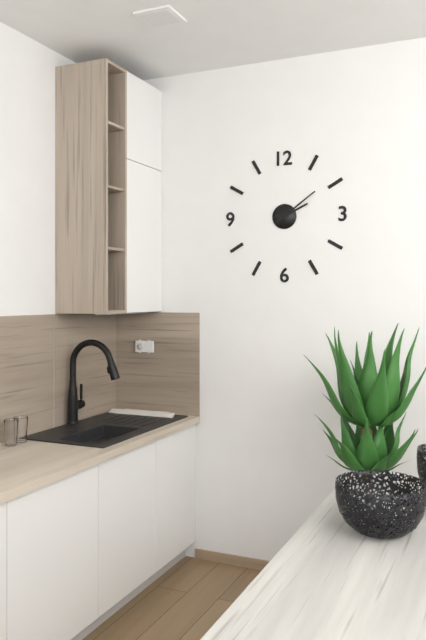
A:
2h09
